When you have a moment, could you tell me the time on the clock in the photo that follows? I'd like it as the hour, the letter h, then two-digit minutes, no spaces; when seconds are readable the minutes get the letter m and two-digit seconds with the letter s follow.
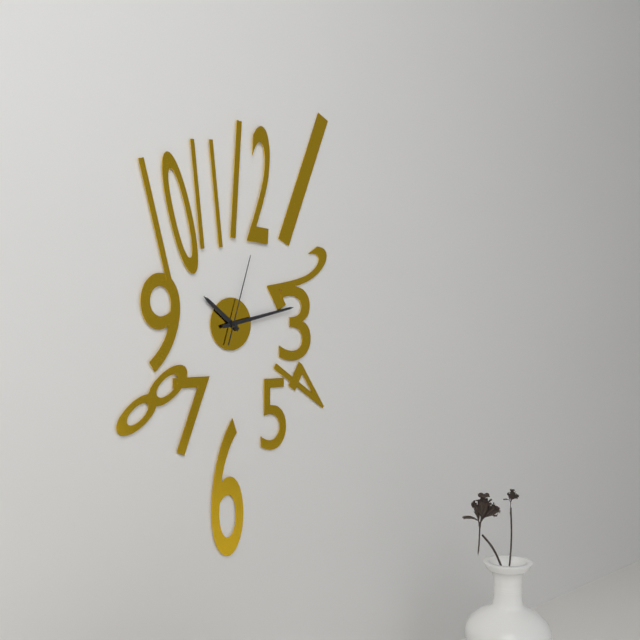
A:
10h13m03s
